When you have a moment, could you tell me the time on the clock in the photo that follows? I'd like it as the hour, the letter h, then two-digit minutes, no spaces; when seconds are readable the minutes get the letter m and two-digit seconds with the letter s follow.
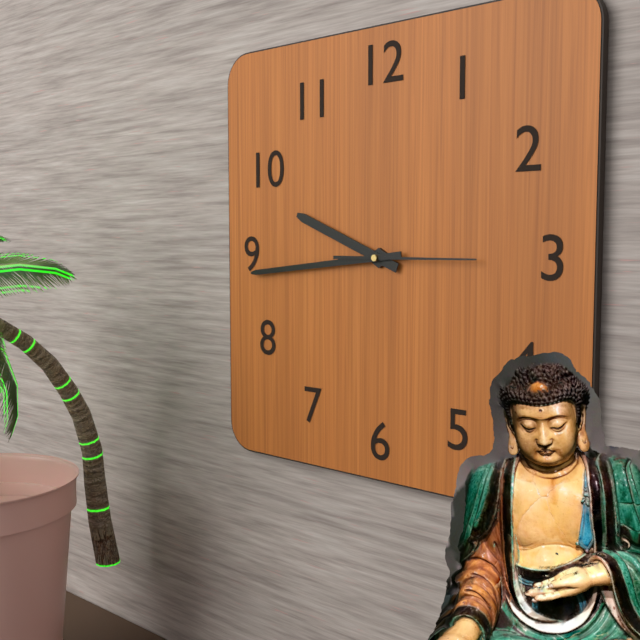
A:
9h44m15s
